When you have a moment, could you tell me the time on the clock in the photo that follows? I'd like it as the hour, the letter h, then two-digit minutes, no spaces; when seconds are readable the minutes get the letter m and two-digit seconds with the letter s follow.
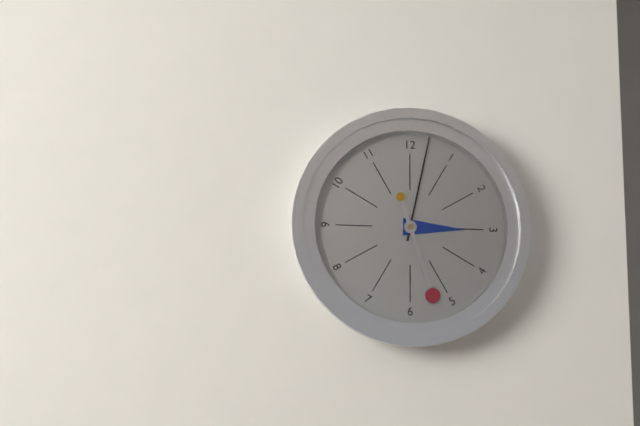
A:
3h02m27s
